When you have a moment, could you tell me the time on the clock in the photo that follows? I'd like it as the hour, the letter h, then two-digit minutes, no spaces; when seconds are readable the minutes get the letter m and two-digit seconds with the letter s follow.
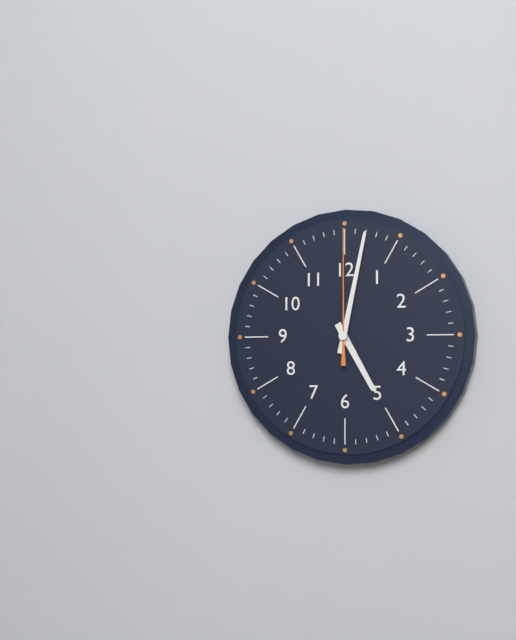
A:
5h02m00s
